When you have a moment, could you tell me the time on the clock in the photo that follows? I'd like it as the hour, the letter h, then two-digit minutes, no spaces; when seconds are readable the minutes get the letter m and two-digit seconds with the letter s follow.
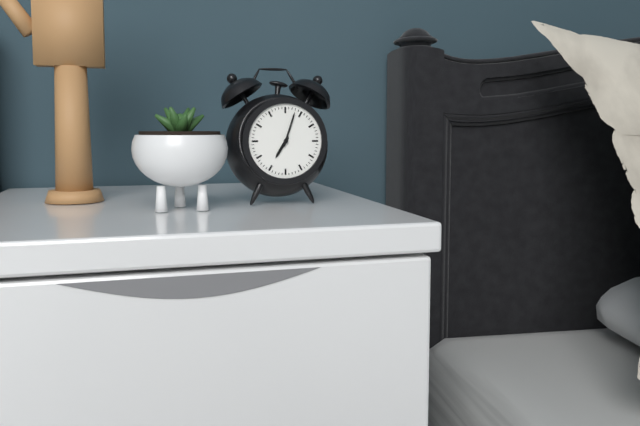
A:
7h03
